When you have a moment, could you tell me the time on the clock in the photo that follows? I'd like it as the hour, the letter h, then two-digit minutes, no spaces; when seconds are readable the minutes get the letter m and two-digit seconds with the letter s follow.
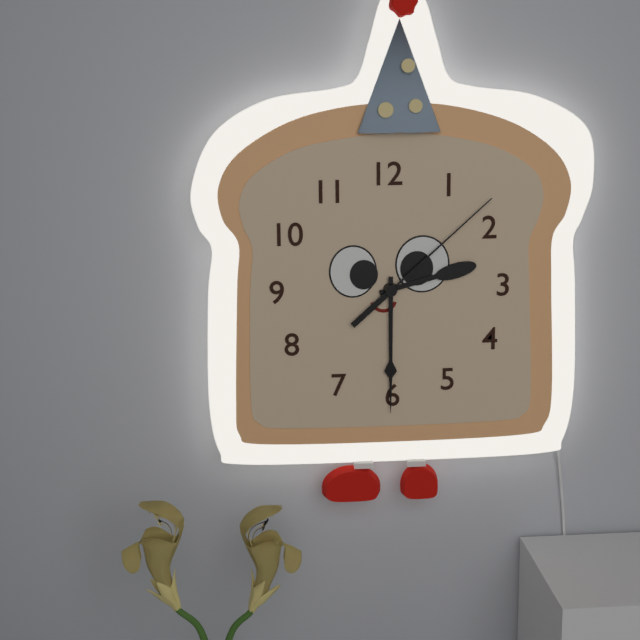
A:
2h30m08s
